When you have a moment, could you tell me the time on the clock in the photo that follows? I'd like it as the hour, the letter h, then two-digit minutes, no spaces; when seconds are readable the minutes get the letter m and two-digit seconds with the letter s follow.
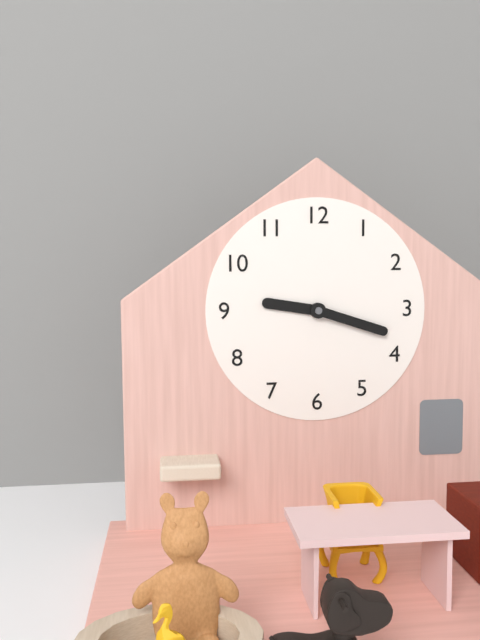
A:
9h18
